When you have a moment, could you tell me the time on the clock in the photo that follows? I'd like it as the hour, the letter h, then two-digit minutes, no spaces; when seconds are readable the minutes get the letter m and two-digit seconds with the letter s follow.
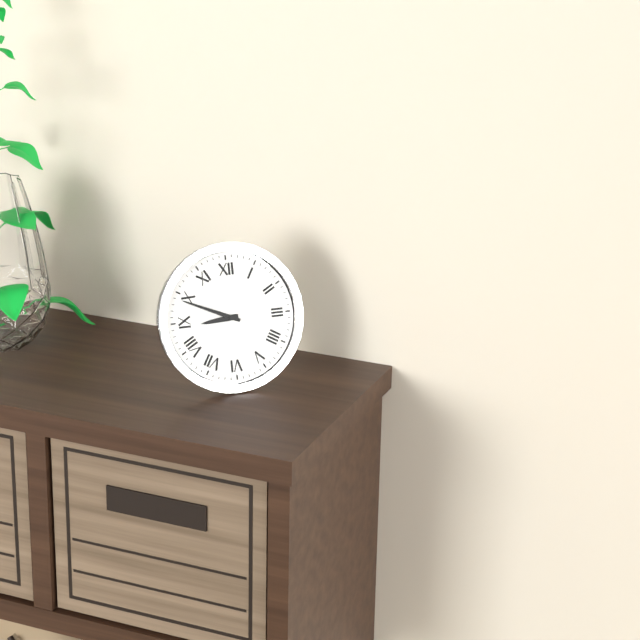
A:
8h49
